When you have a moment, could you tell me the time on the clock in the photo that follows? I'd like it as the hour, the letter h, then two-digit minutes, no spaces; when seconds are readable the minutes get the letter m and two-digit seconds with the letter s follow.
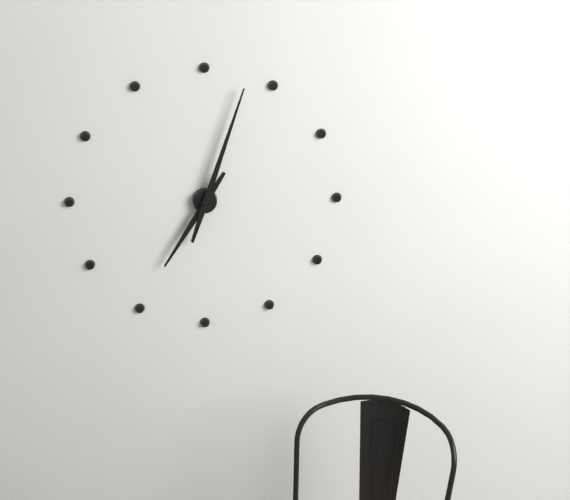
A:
7h03
